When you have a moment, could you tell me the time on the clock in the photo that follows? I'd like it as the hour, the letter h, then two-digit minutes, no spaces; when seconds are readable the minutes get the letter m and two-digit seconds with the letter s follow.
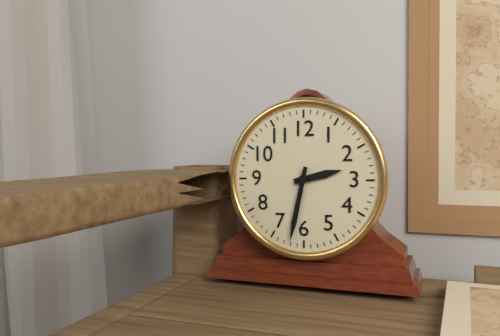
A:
2h32
